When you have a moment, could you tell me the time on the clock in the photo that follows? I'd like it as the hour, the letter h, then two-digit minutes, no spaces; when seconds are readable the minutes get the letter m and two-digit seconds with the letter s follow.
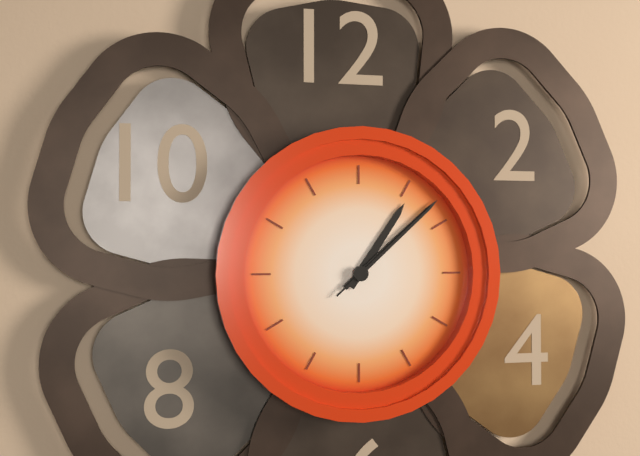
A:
1h08m08s
